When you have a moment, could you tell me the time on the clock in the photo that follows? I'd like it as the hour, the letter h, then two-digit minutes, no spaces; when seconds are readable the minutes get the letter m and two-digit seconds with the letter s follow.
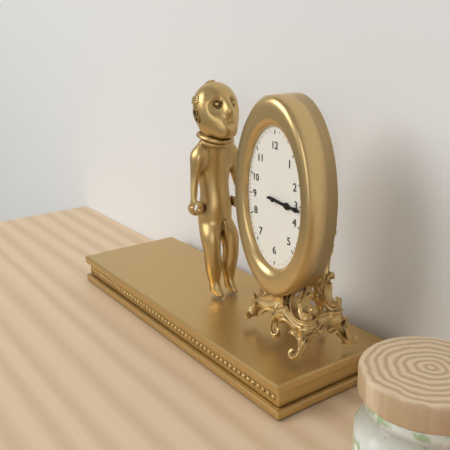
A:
3h16
